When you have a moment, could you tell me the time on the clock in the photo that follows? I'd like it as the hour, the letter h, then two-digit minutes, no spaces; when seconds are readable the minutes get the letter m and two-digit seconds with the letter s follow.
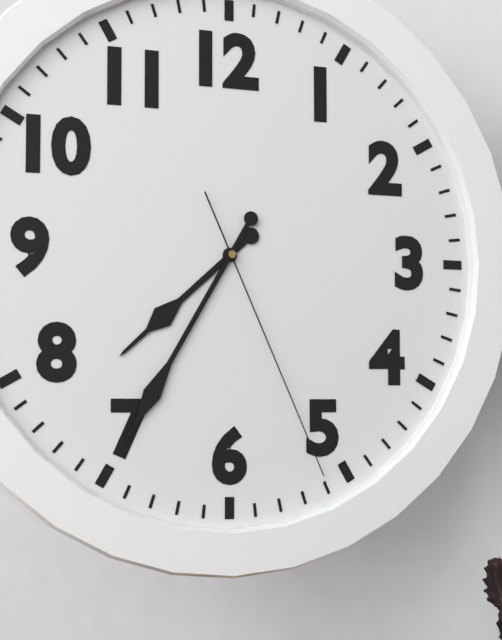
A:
7h35m26s
